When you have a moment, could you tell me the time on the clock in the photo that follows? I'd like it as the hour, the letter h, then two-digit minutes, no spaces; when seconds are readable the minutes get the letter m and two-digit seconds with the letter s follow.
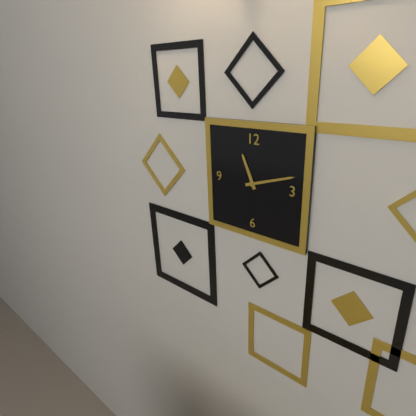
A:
11h12
